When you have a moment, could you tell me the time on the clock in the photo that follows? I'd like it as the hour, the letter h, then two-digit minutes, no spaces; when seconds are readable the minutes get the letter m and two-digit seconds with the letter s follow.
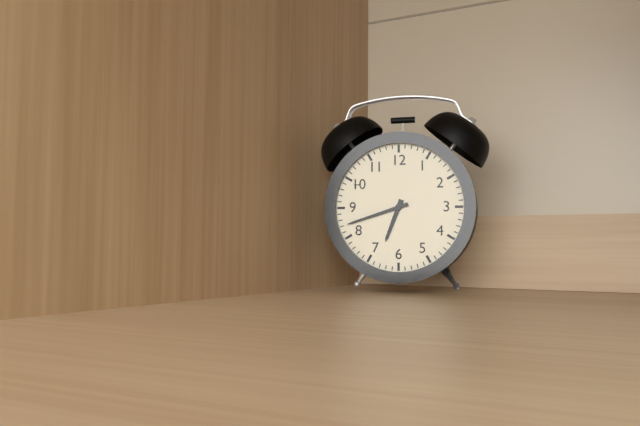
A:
6h42
